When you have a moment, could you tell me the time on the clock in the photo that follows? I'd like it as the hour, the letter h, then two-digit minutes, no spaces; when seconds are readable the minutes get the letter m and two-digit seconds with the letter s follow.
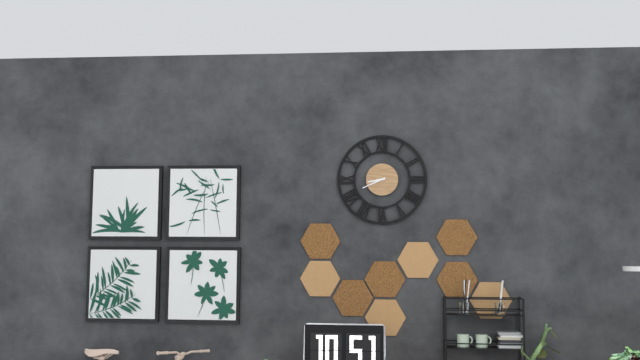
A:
8h41
